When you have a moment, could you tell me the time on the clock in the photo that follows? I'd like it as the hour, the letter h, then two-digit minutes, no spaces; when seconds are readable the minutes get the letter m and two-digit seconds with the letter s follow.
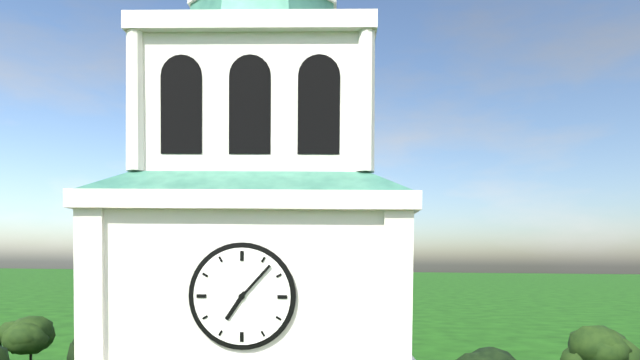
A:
7h07
